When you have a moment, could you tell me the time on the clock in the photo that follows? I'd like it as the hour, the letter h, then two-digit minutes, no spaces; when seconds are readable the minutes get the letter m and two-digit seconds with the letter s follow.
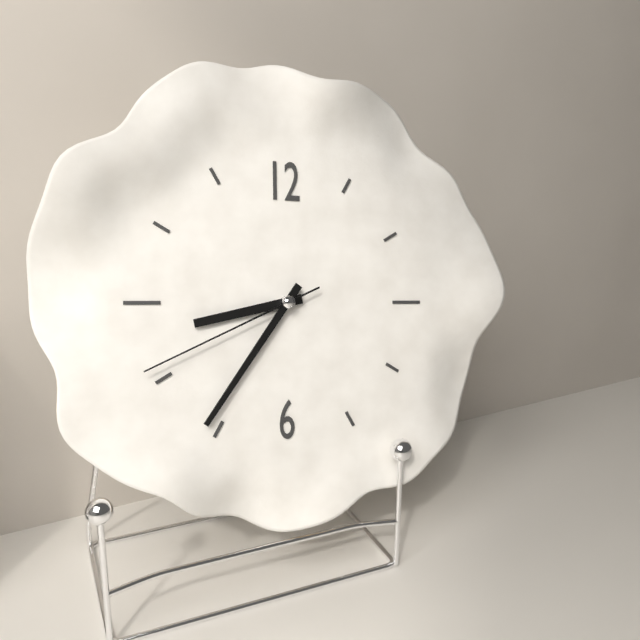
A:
8h36m41s
